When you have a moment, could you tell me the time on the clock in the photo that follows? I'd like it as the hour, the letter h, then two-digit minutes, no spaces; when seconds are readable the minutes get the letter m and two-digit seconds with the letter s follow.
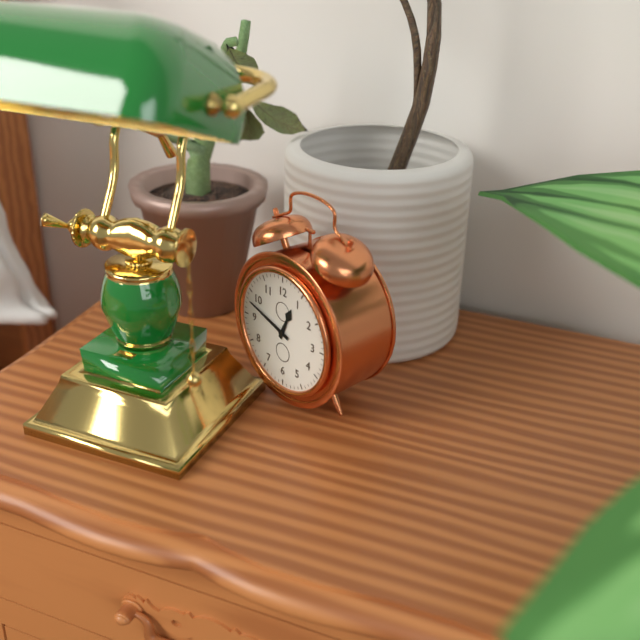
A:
12h48
